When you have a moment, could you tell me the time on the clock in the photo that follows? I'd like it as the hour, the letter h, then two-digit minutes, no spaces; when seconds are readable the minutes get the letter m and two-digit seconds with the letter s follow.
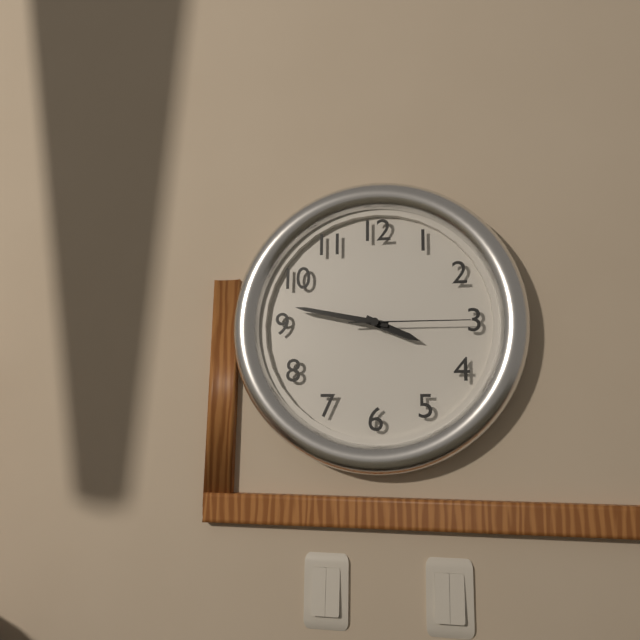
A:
3h47m15s
